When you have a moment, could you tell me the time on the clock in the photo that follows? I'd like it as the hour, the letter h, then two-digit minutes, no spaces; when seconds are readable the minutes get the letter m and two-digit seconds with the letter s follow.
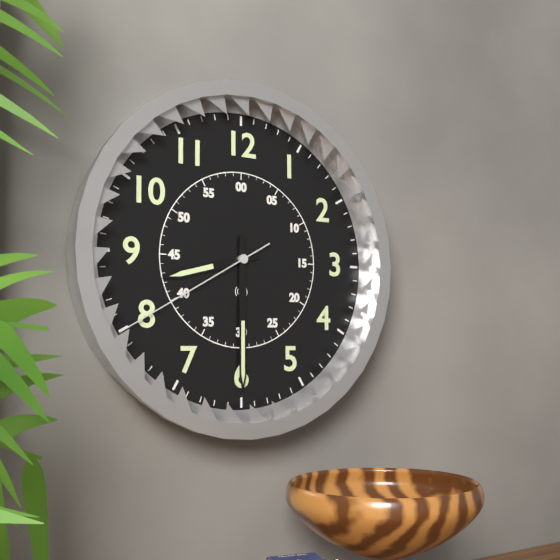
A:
8h30m40s
